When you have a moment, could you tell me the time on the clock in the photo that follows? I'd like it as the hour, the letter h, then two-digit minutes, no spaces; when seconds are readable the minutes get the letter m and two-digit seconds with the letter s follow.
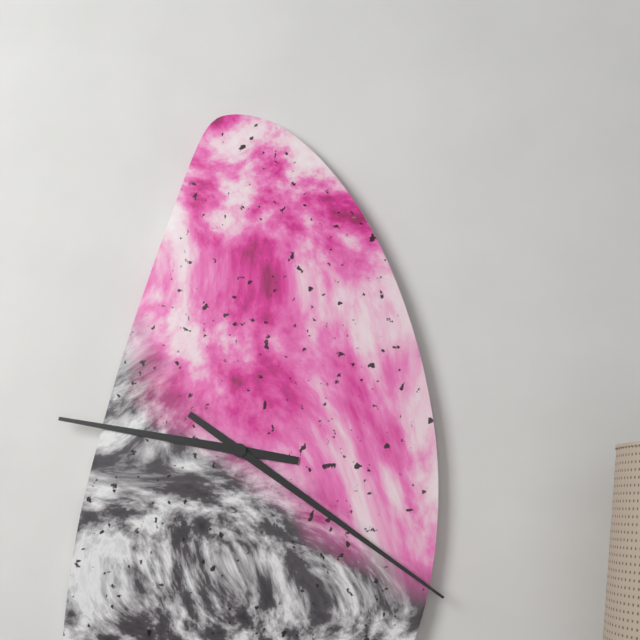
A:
9h21
